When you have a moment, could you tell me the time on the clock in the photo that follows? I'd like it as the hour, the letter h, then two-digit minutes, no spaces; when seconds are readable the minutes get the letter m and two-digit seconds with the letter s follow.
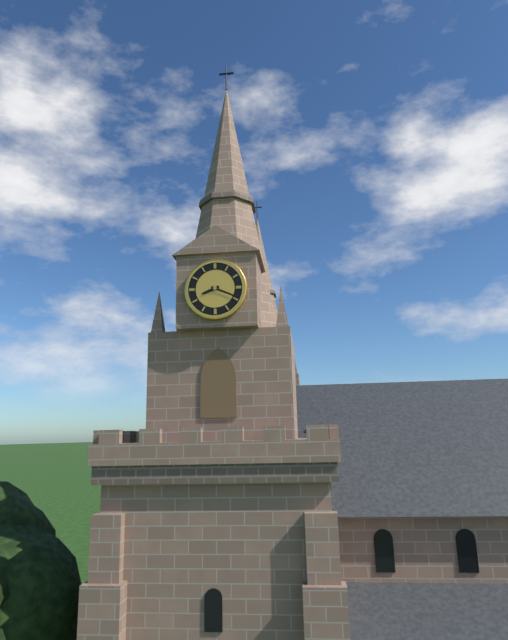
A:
8h19
